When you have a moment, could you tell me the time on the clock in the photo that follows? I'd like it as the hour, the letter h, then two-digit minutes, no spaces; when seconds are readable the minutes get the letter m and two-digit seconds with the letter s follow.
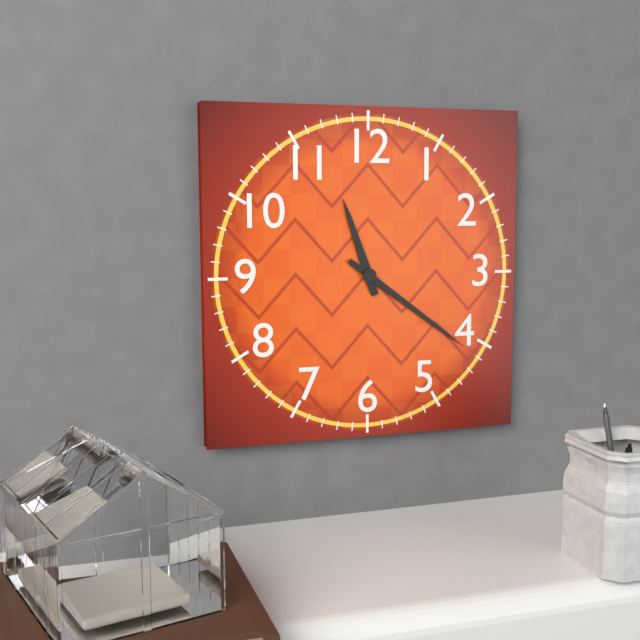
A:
11h21
